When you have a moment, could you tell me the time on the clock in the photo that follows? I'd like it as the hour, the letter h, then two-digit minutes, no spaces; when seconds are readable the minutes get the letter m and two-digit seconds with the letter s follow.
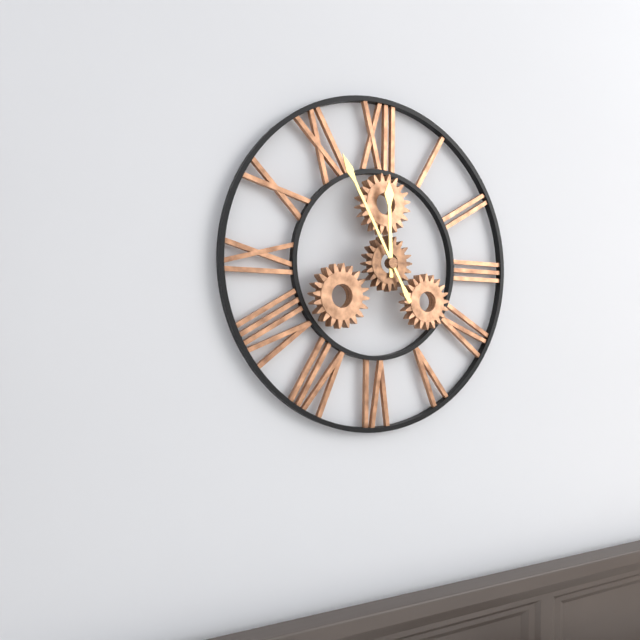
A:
11h55
